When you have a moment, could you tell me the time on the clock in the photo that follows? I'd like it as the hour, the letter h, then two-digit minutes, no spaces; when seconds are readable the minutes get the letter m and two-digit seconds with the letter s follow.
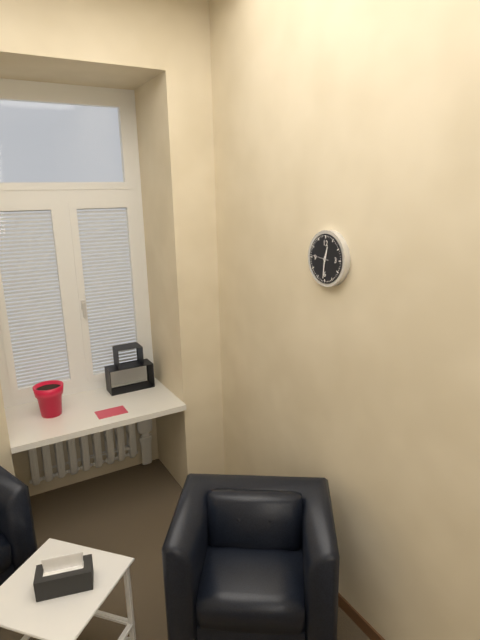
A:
12h31
